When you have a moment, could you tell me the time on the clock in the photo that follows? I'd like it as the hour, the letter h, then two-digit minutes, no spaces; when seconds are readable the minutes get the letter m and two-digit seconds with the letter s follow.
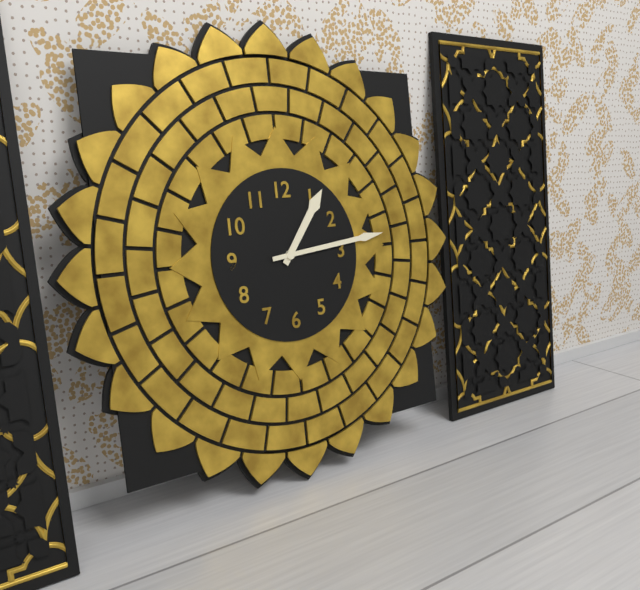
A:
1h14
